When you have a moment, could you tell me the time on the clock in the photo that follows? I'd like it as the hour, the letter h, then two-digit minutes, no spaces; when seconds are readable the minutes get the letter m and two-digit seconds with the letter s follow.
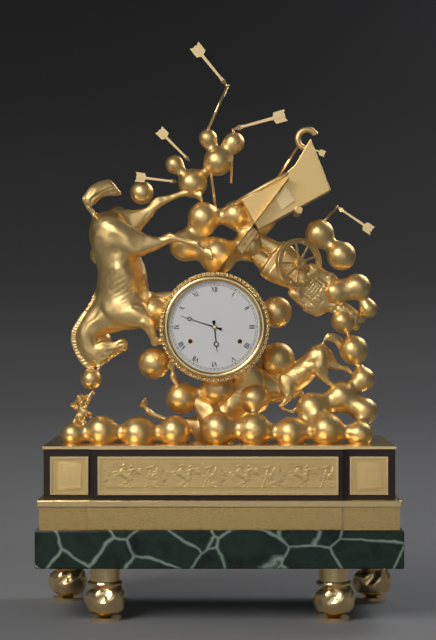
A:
5h48
